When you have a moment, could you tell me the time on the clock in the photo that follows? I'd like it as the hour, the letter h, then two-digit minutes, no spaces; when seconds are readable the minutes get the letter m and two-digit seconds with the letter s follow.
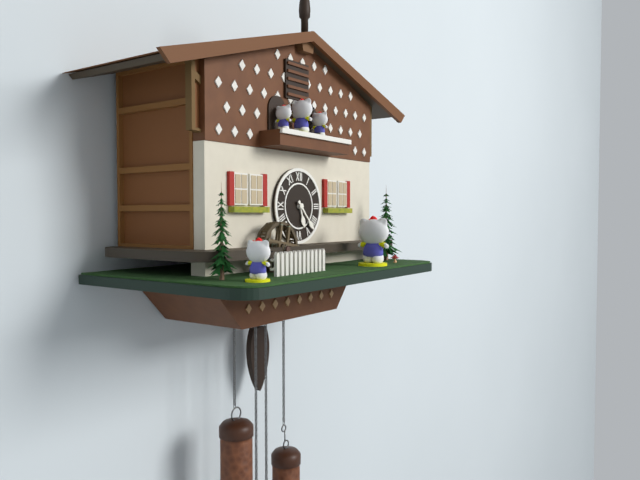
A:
5h23
